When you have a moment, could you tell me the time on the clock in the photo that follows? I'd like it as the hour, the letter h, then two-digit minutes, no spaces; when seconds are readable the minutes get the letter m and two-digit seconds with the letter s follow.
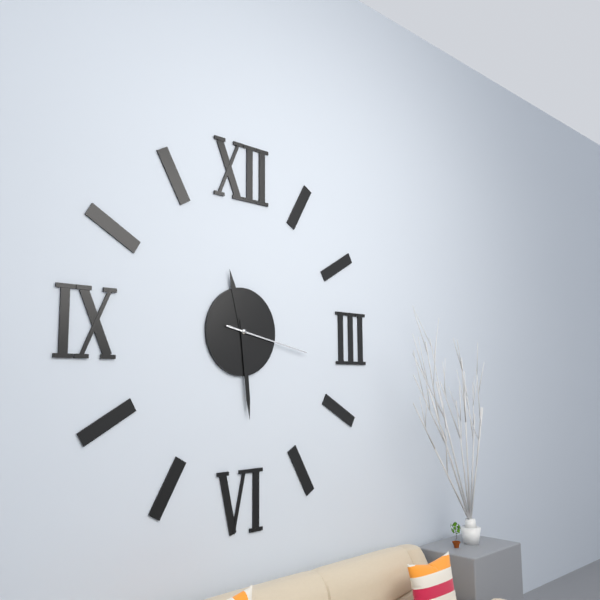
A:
11h29m17s
